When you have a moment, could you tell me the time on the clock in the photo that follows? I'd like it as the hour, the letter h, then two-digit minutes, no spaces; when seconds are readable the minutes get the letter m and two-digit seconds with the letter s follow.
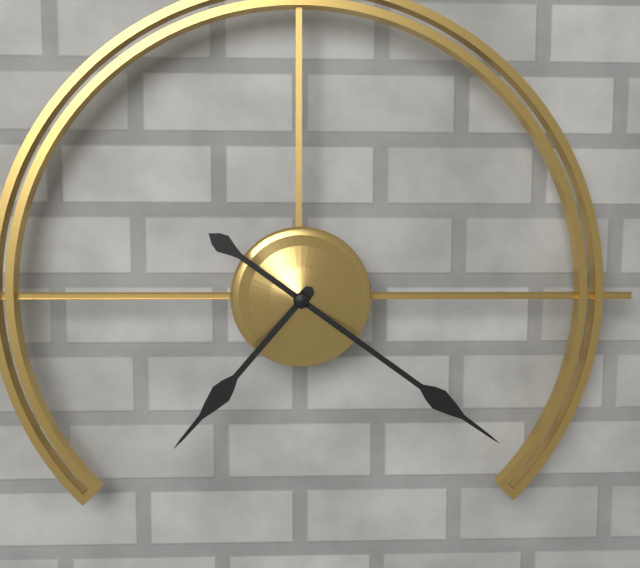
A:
7h21
